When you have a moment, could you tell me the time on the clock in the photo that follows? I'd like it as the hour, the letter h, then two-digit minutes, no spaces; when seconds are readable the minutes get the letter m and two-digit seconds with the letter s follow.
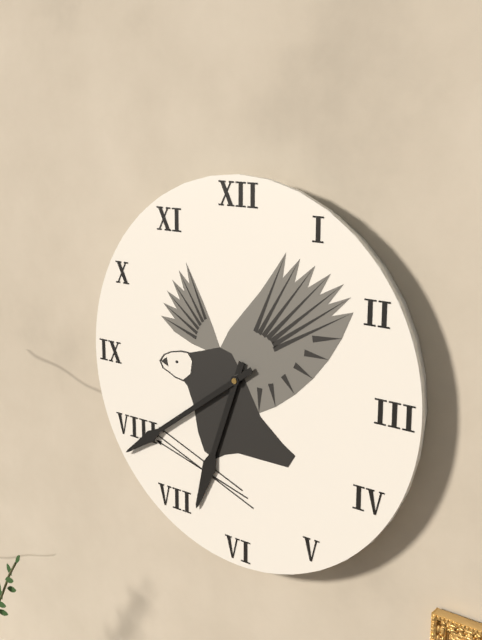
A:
6h39
